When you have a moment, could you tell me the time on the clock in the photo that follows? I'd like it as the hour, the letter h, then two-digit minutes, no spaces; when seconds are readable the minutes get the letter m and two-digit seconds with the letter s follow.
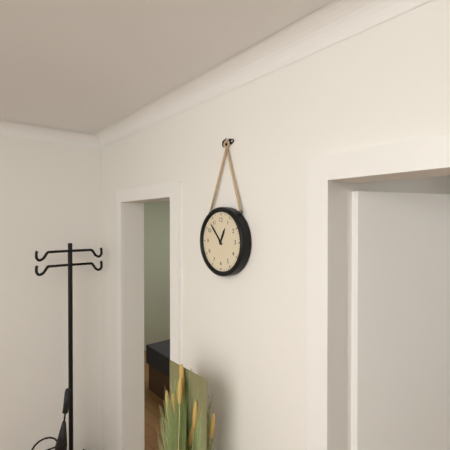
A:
12h53
